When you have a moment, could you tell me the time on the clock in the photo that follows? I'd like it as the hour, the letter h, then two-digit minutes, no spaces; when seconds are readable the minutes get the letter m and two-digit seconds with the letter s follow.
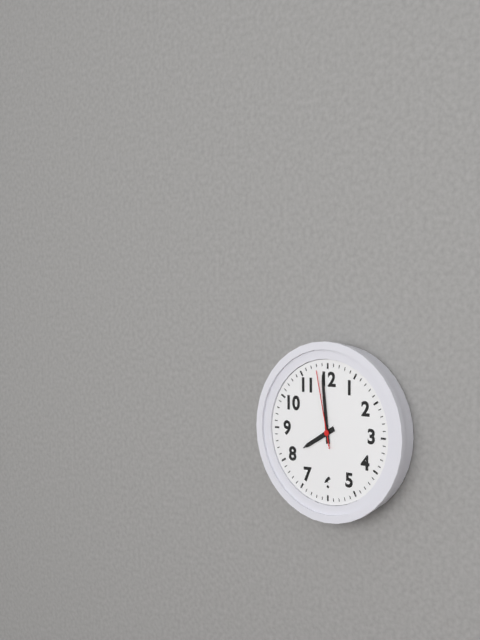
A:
7h59m58s
